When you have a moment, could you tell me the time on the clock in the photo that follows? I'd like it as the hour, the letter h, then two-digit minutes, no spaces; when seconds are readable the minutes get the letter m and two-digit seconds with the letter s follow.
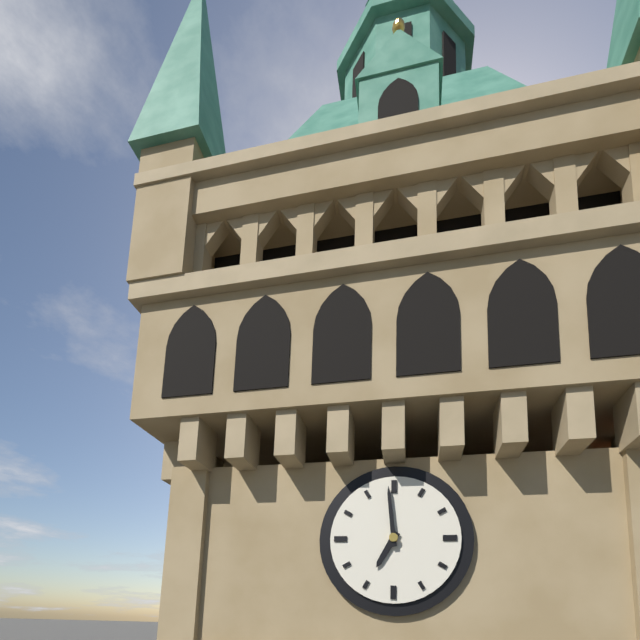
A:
6h59
